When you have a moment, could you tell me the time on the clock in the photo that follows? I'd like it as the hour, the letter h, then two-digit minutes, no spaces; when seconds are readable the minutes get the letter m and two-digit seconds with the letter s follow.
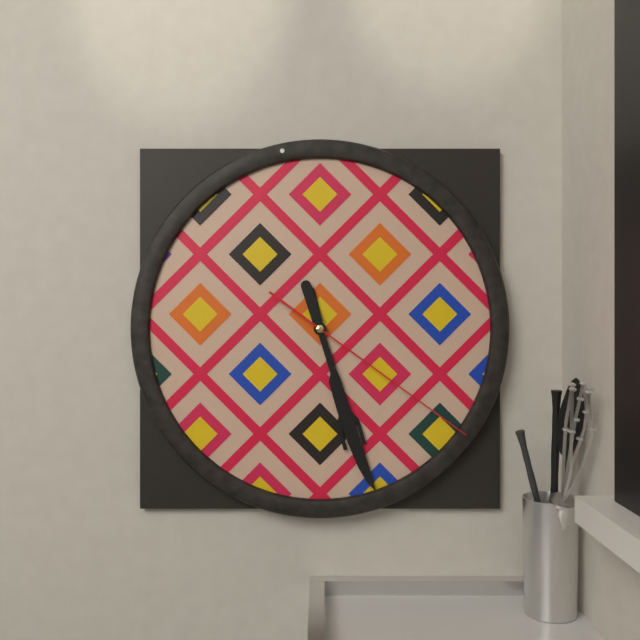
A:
5h27m21s
